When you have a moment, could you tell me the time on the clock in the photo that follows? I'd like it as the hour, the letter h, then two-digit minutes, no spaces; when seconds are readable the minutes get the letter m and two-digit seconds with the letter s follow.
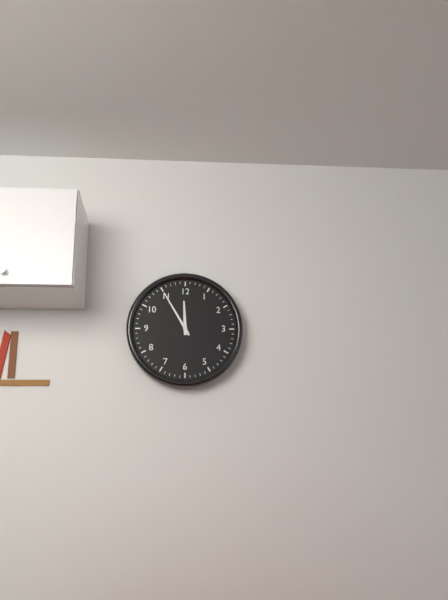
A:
11h55
